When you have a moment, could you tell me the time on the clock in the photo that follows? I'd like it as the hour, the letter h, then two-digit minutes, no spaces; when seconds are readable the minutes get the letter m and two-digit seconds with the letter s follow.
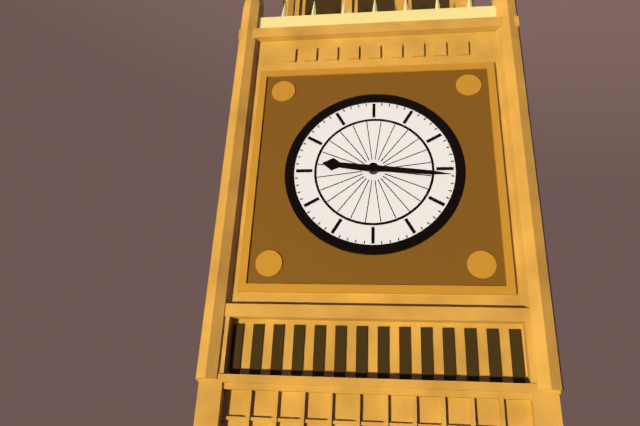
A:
9h16
